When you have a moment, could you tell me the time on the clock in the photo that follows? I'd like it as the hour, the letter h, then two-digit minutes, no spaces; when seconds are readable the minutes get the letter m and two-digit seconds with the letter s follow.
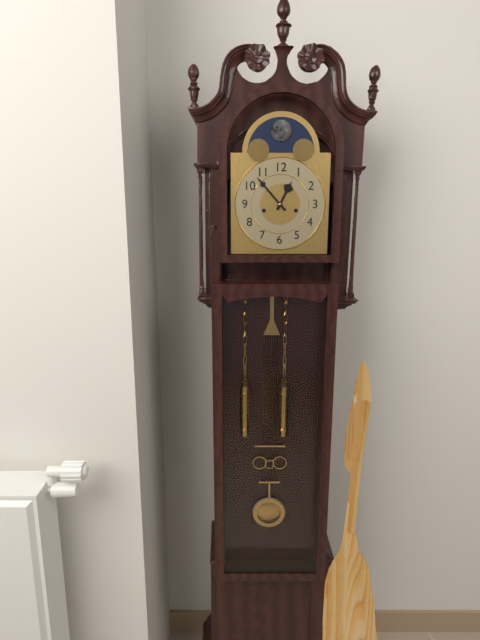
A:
12h53
